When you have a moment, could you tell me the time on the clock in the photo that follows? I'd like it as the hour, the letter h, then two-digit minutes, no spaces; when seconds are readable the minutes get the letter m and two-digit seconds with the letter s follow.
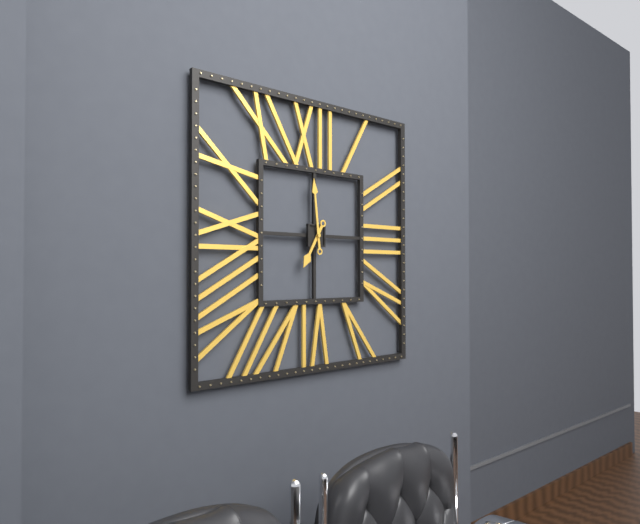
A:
6h59
